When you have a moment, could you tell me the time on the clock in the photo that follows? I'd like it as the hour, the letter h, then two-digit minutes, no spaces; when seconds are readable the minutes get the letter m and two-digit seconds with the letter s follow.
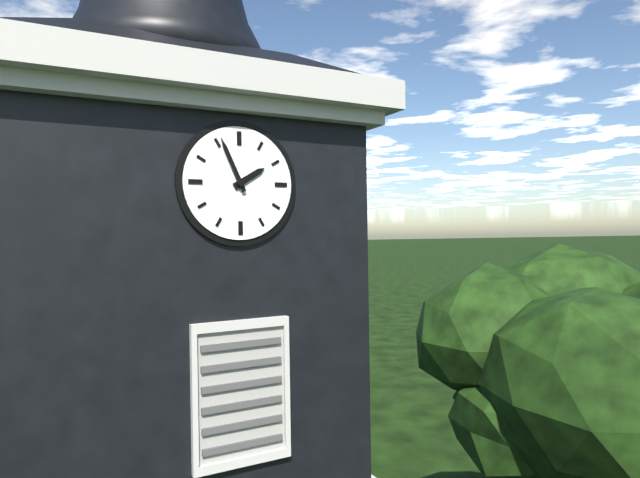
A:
1h56
